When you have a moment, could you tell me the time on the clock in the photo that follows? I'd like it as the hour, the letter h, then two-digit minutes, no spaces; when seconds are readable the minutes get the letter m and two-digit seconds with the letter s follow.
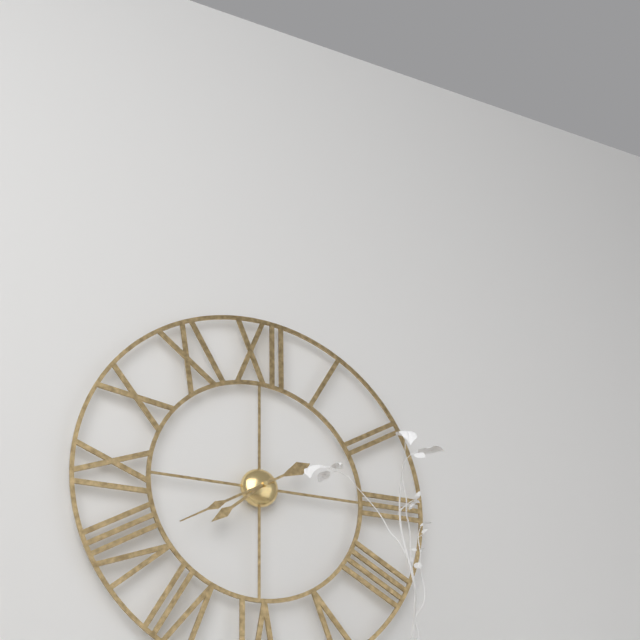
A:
7h40
